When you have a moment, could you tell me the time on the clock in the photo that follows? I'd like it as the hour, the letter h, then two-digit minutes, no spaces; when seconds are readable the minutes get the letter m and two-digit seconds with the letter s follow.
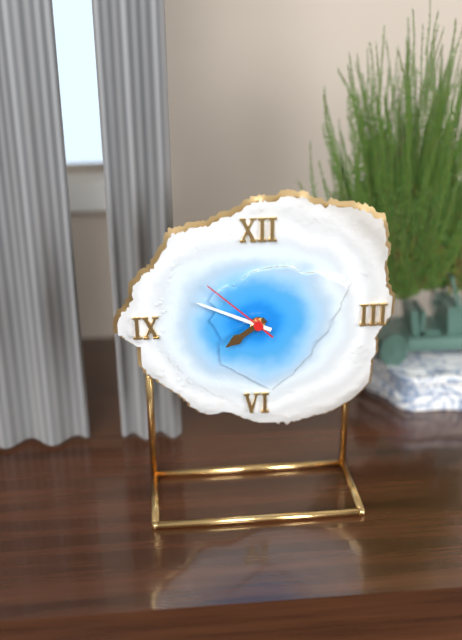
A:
7h49m52s
